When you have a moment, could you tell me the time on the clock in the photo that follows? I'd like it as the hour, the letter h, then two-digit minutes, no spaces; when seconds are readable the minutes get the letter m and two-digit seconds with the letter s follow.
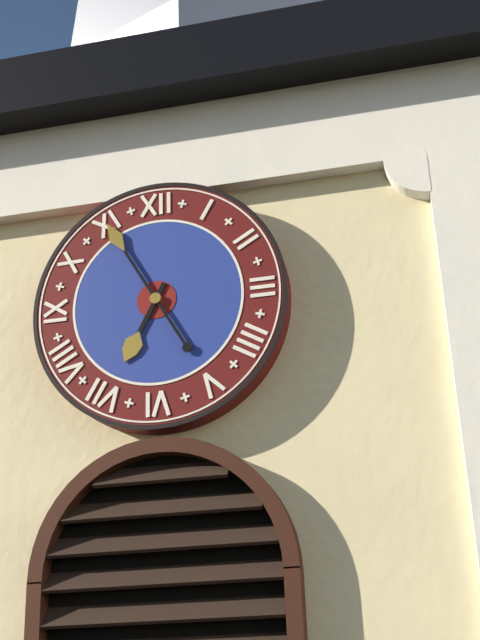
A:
6h55
